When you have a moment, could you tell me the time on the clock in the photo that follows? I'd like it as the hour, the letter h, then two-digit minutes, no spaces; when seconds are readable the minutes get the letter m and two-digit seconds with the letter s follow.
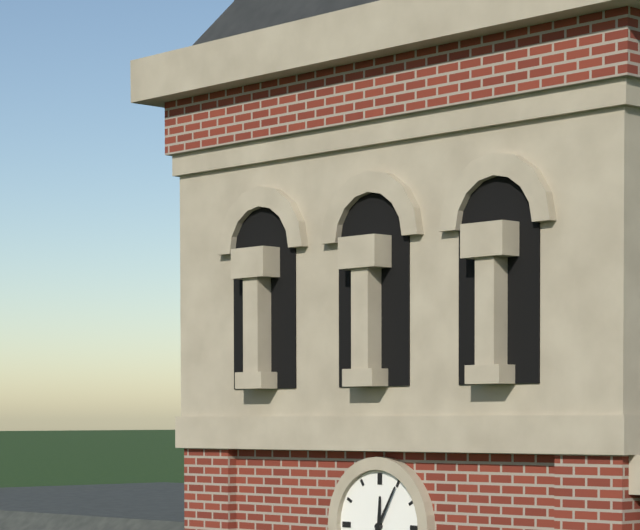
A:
12h05
